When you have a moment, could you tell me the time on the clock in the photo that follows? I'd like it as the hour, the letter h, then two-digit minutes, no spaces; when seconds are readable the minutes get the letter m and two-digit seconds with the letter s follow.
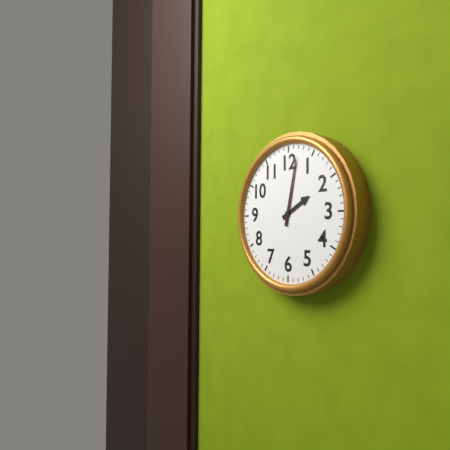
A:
2h02
